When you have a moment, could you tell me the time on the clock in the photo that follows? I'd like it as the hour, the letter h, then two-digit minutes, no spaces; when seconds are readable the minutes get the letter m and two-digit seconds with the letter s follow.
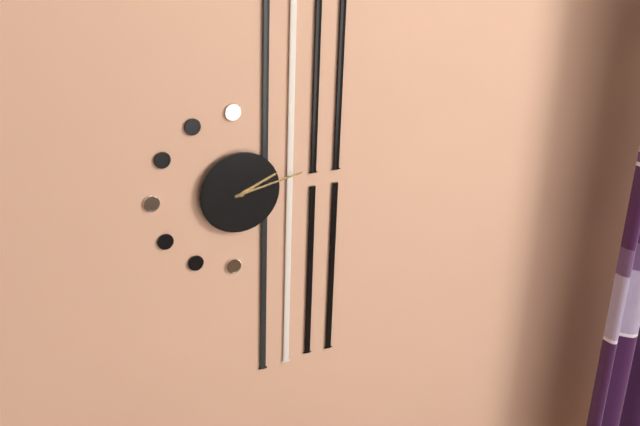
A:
2h13
